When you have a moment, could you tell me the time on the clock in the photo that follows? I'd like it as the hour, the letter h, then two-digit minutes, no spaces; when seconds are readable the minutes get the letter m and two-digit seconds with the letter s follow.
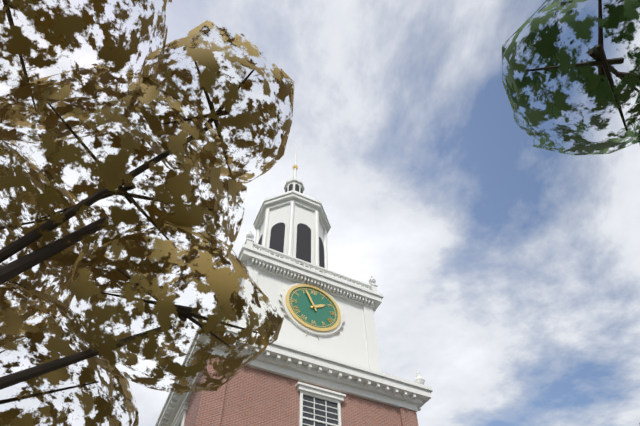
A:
1h56
